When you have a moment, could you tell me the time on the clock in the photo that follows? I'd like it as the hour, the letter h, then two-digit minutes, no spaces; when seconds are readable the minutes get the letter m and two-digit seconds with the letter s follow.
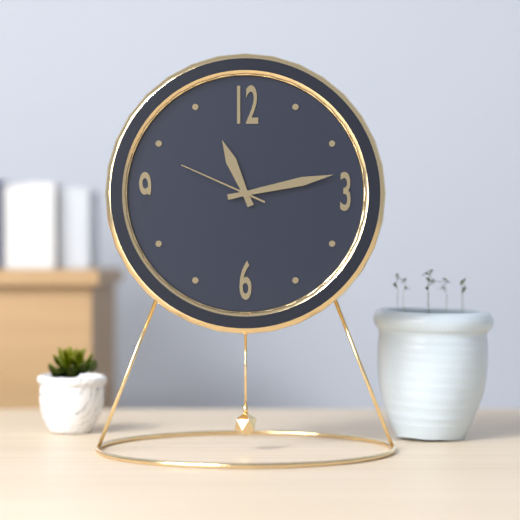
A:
11h13m49s
